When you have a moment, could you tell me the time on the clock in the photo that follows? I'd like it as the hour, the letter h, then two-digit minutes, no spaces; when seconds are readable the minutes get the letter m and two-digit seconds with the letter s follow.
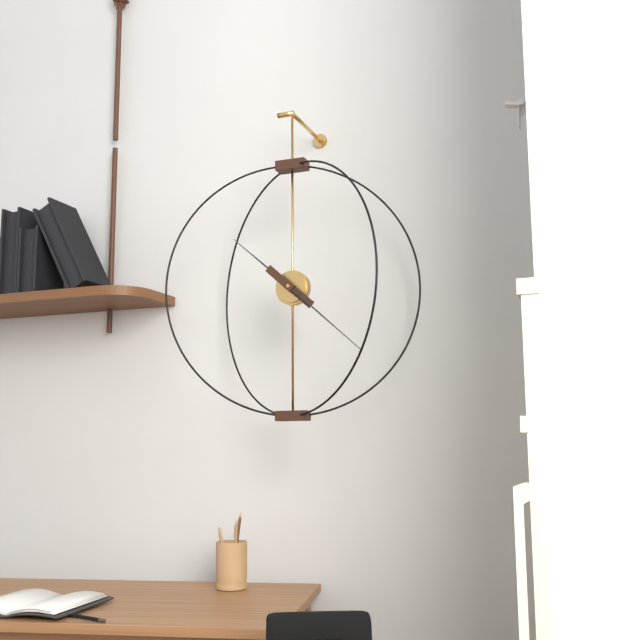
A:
10h22
